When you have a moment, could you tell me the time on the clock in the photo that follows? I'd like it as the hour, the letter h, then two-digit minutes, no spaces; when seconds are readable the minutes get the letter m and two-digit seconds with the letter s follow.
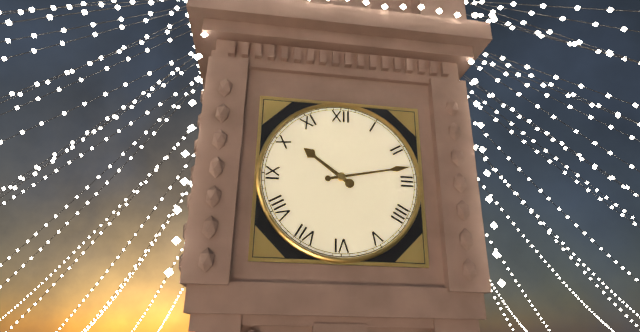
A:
10h13
